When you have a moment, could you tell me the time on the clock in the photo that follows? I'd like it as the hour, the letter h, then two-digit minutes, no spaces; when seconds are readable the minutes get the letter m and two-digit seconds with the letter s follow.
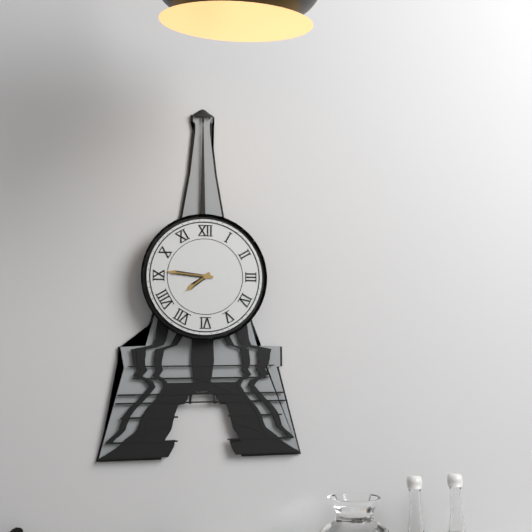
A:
7h46
